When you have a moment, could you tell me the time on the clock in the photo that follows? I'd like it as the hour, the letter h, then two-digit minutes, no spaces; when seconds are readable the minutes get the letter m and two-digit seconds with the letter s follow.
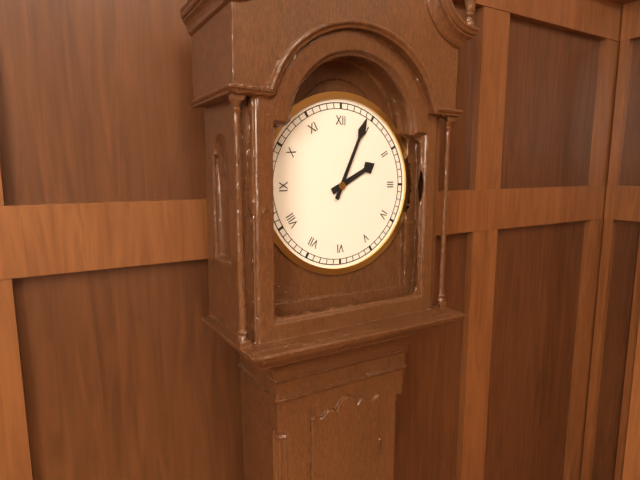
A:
2h04
